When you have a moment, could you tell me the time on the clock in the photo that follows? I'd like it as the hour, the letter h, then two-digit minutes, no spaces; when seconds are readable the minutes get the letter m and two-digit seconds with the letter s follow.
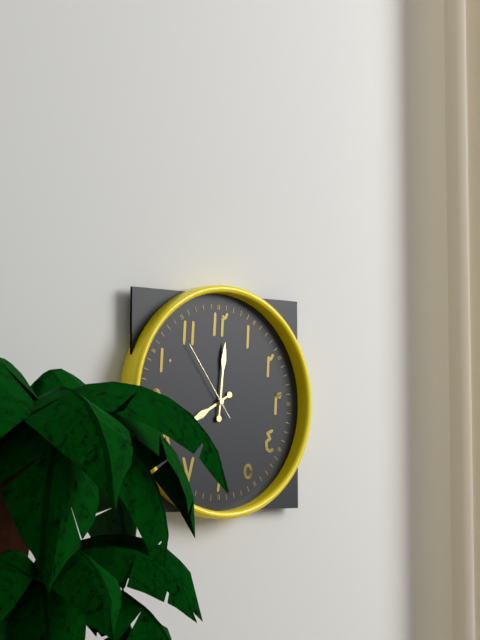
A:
8h01m54s
